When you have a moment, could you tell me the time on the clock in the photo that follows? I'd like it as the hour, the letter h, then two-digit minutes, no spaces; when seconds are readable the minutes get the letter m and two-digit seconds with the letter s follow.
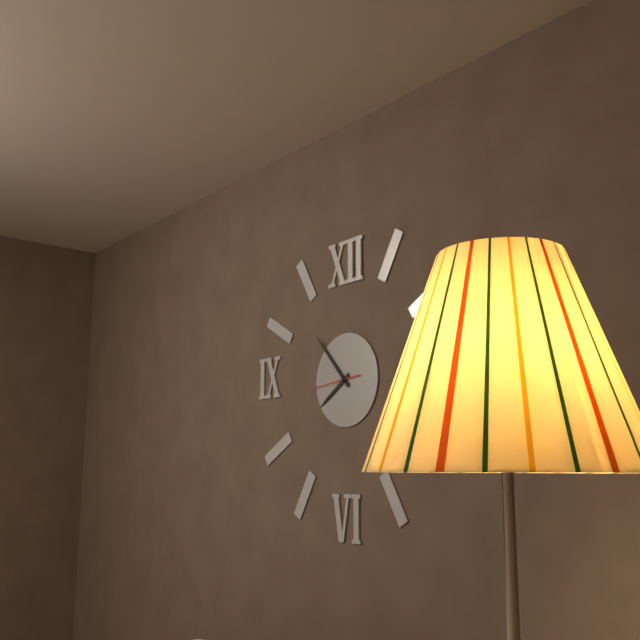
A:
7h53m44s
